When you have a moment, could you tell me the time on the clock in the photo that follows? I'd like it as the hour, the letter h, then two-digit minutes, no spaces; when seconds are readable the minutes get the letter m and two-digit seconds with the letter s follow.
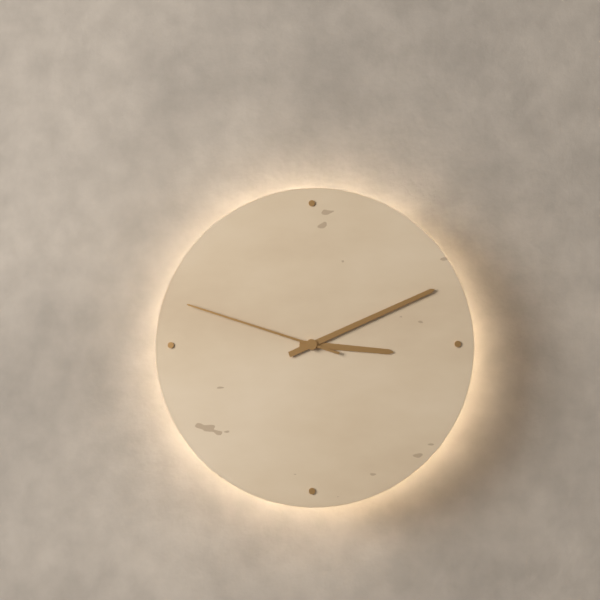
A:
3h11m48s
